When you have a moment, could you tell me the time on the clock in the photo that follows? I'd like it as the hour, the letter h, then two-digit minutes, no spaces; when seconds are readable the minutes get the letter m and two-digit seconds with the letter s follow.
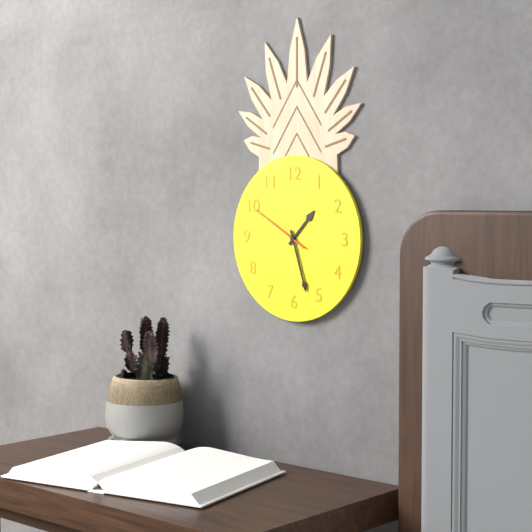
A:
1h27m50s
